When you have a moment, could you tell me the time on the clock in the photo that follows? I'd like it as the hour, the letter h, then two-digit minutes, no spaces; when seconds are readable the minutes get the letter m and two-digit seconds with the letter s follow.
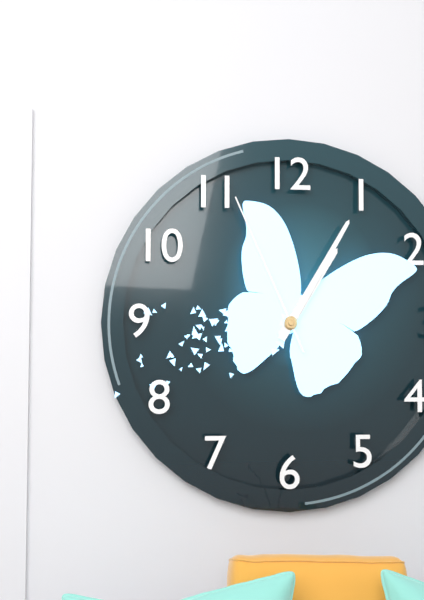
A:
1h05m56s
